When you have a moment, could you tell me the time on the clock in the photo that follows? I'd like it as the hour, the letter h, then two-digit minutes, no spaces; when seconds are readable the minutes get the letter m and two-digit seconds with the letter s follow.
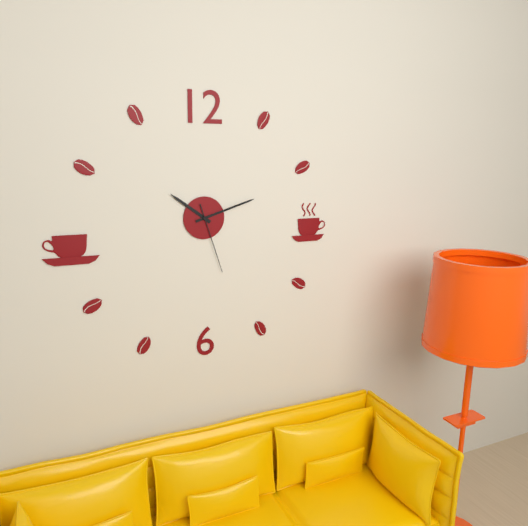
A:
10h12m27s
